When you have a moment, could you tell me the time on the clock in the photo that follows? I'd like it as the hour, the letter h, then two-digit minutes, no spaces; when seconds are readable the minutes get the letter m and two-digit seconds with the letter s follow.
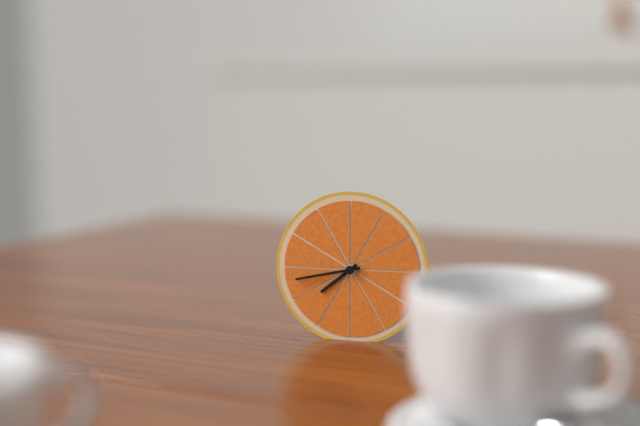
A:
7h43
